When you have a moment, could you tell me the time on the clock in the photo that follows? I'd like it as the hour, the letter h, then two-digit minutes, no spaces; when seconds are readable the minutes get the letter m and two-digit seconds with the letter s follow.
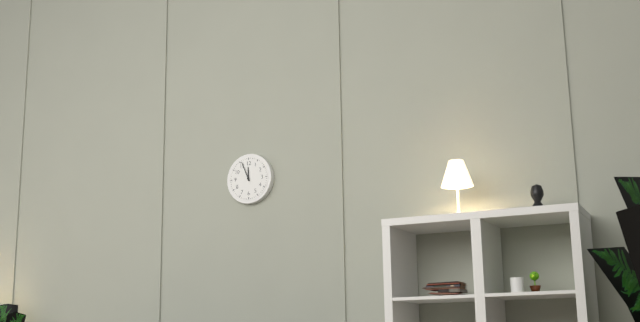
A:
11h56
